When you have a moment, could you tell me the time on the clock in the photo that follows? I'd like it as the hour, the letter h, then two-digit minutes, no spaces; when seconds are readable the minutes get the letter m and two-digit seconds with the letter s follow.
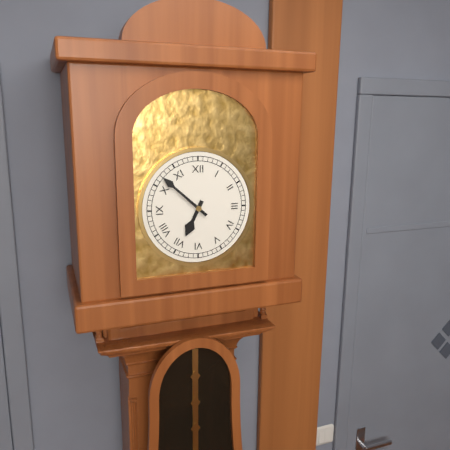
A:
6h52
